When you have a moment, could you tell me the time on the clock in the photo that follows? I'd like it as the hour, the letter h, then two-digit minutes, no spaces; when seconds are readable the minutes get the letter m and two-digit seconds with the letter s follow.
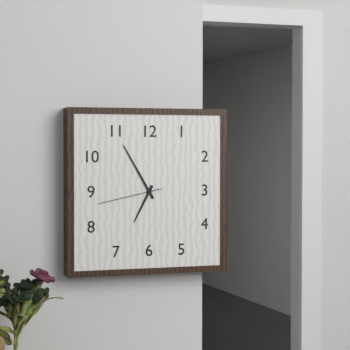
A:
6h55m43s
